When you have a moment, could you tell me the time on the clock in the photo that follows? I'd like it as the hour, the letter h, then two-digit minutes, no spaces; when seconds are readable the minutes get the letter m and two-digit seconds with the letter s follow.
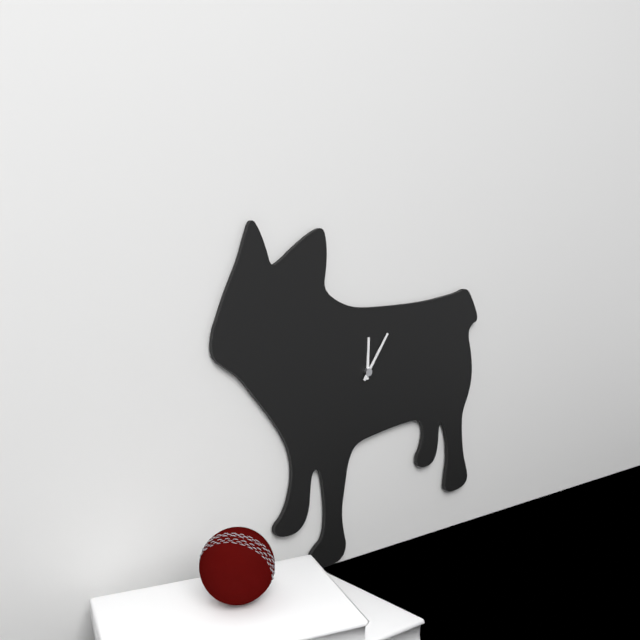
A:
12h06
